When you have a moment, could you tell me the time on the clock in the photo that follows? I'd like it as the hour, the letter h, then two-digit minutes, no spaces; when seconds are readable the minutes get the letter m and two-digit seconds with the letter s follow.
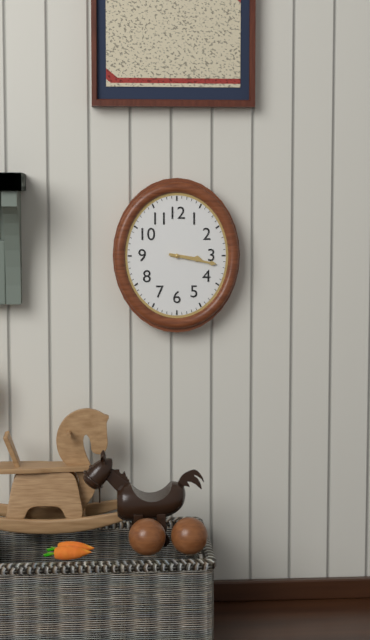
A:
3h17
